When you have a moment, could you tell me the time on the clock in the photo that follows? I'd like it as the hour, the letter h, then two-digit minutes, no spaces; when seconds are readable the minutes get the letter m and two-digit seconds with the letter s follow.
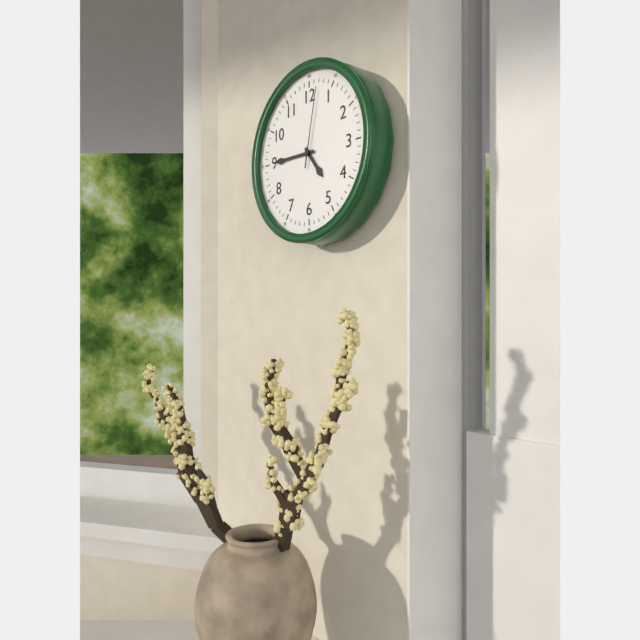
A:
4h45m02s
